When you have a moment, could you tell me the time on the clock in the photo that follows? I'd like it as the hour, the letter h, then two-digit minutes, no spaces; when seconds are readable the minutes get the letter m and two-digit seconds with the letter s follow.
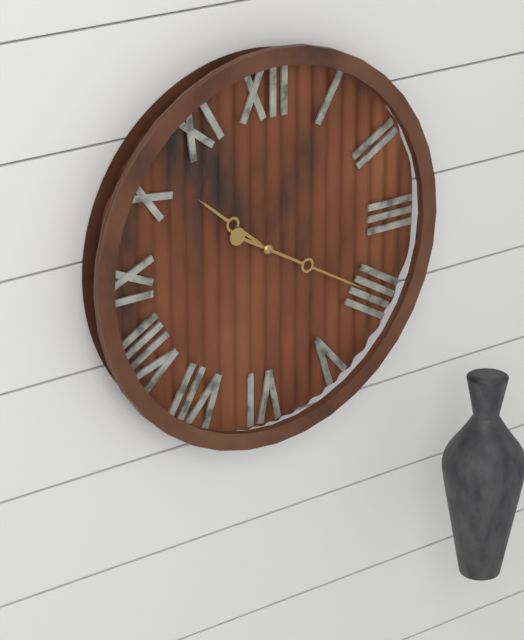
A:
10h20
